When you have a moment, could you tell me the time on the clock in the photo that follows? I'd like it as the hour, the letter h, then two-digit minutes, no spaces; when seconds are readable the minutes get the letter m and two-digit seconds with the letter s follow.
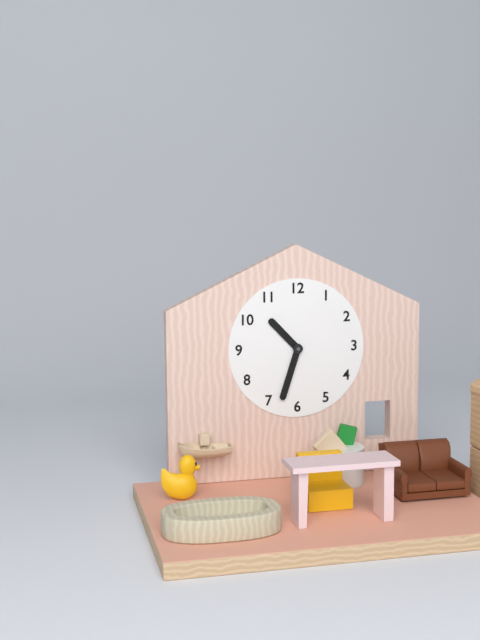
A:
10h33
